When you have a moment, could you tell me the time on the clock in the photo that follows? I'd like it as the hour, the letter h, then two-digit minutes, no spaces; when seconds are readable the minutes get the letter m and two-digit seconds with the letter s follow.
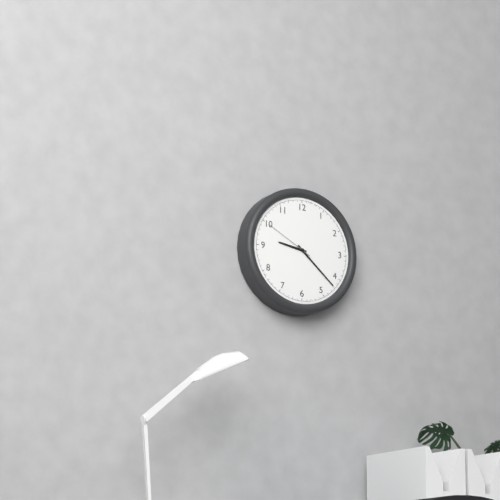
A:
9h22m50s
